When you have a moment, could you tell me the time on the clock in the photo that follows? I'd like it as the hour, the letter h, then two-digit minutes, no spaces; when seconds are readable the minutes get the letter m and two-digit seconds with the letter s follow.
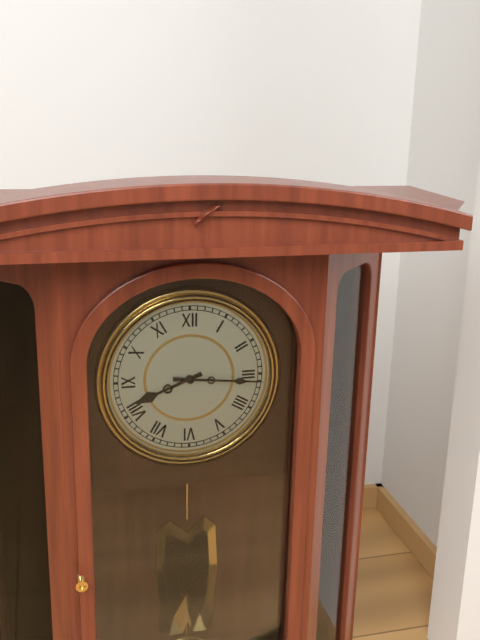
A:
8h16
